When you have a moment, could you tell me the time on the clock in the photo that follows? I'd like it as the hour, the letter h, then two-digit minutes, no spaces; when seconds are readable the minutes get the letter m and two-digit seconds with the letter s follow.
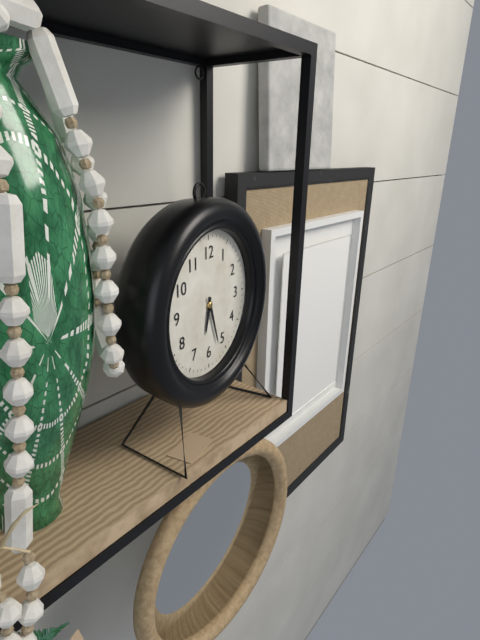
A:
6h27
